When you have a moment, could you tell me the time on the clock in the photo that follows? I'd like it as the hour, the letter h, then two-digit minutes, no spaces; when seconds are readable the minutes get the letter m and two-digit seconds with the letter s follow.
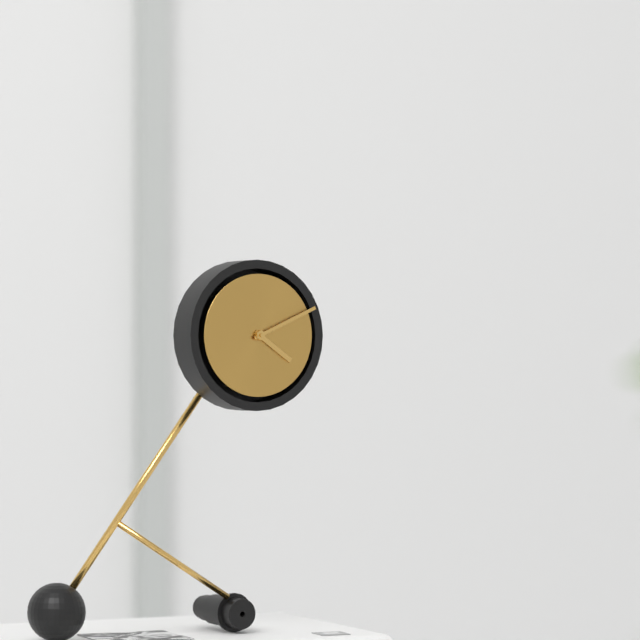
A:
4h11
